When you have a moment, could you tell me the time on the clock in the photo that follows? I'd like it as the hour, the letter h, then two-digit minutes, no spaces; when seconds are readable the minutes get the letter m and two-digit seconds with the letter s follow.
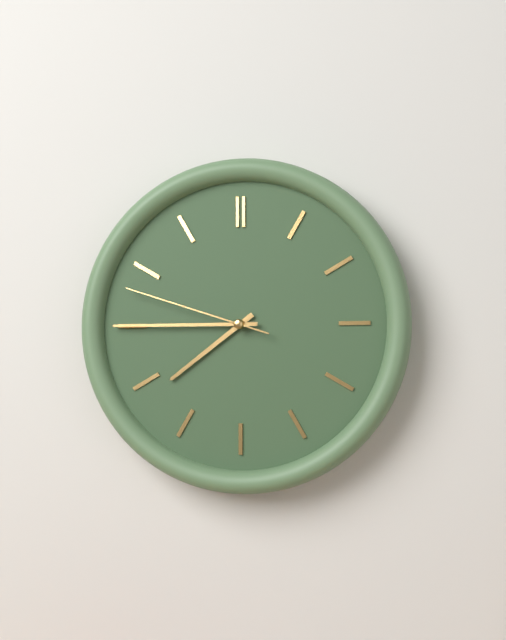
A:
7h45m48s
